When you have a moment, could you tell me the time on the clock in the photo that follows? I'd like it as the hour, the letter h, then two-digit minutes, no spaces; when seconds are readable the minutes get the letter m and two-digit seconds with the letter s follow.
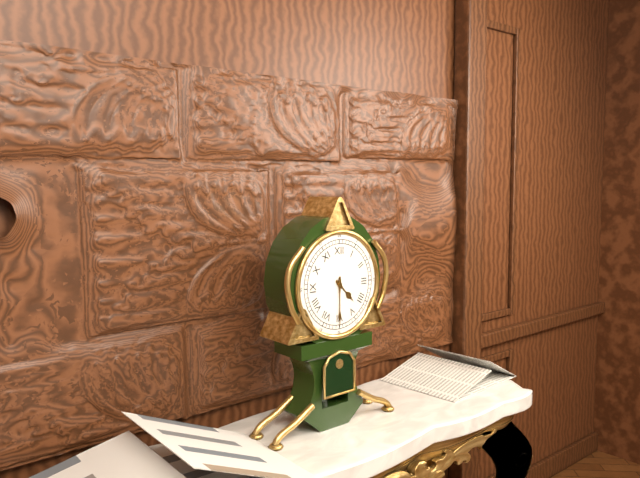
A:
4h30
